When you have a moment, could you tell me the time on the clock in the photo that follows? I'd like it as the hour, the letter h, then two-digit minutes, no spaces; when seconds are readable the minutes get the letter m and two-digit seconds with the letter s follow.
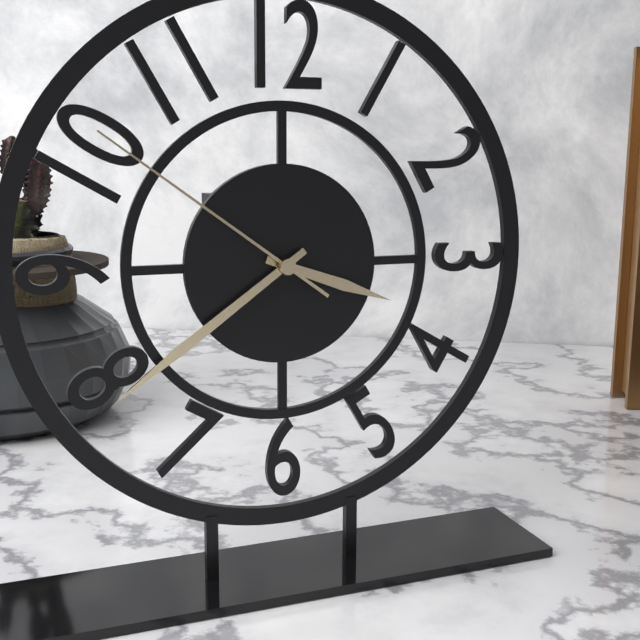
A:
3h39m51s
